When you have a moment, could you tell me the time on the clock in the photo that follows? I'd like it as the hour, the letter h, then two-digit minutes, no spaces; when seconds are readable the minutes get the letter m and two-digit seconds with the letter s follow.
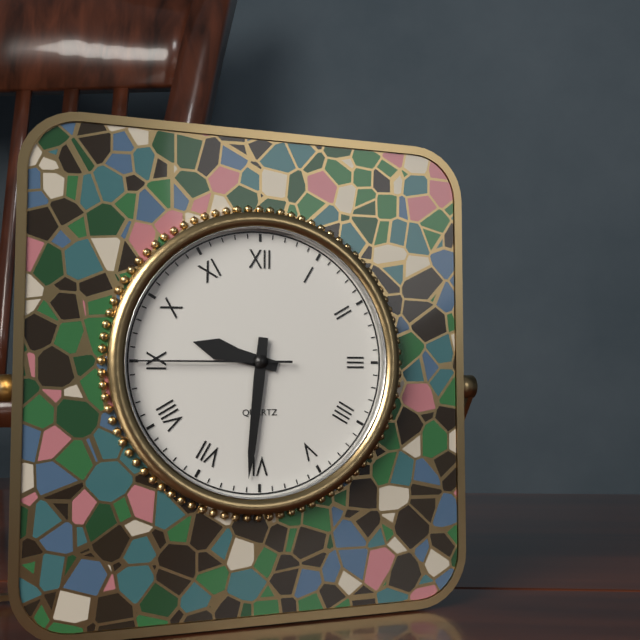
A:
9h31m45s
